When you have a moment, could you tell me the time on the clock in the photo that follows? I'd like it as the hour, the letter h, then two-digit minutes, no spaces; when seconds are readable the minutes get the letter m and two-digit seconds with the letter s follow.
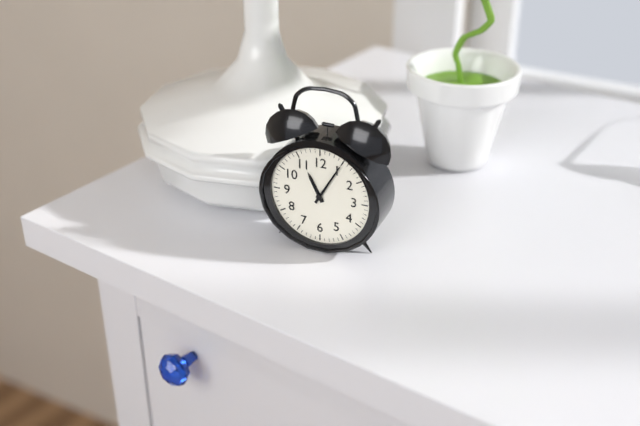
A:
11h05
